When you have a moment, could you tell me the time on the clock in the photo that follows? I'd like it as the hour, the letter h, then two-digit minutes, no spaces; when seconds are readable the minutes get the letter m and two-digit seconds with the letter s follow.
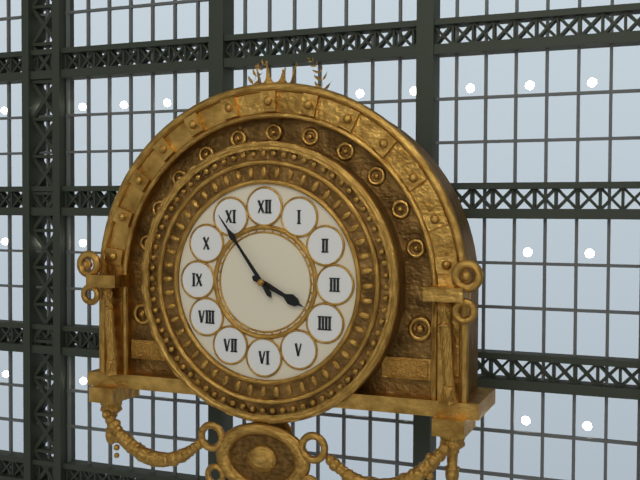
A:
3h54
